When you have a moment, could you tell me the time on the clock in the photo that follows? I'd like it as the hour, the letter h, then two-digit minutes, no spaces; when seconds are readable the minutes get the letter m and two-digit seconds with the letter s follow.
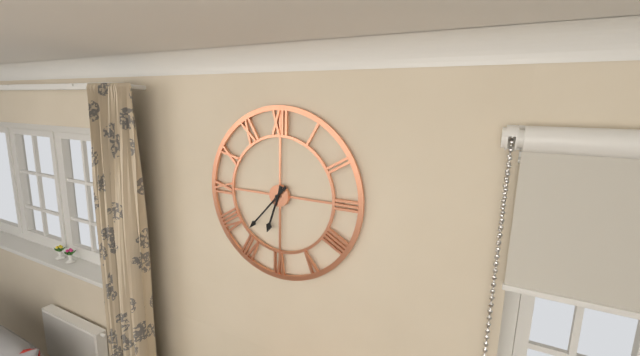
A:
6h37
